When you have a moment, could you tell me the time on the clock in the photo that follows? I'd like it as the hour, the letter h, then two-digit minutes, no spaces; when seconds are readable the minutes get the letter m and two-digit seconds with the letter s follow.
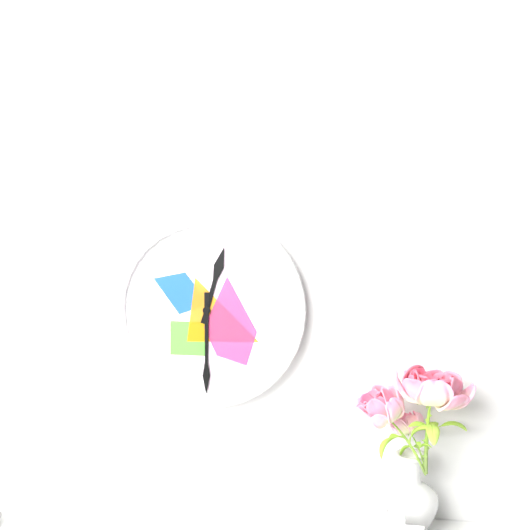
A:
12h30
